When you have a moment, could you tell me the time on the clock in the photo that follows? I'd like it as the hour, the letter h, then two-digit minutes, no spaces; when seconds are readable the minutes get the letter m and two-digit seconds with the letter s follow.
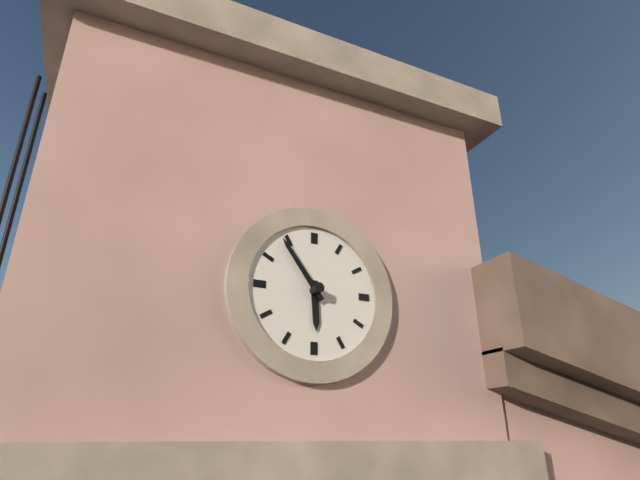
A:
5h54
